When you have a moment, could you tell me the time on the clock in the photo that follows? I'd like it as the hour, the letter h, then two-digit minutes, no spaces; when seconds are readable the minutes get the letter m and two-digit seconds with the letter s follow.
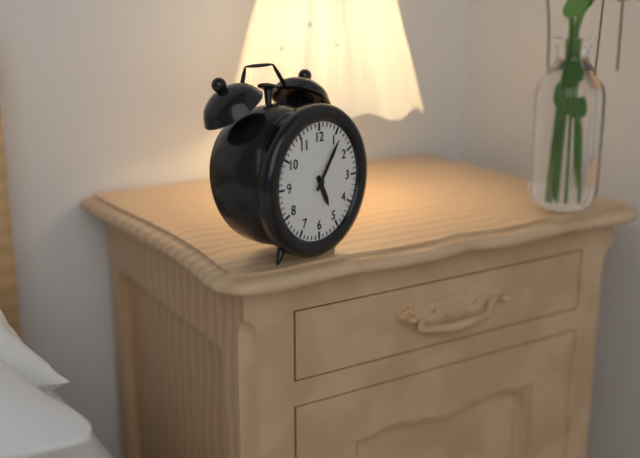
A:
5h06
